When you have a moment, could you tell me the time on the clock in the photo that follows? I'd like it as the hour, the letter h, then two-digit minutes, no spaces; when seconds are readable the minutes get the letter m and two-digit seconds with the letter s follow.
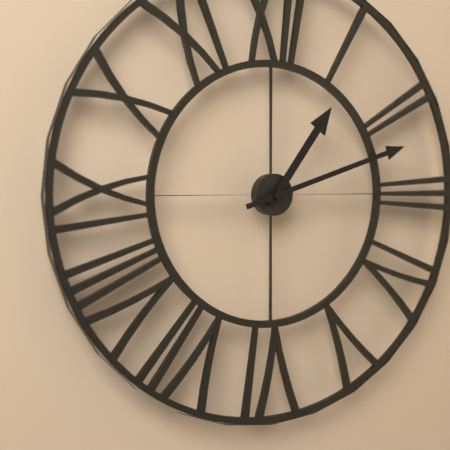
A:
1h12
